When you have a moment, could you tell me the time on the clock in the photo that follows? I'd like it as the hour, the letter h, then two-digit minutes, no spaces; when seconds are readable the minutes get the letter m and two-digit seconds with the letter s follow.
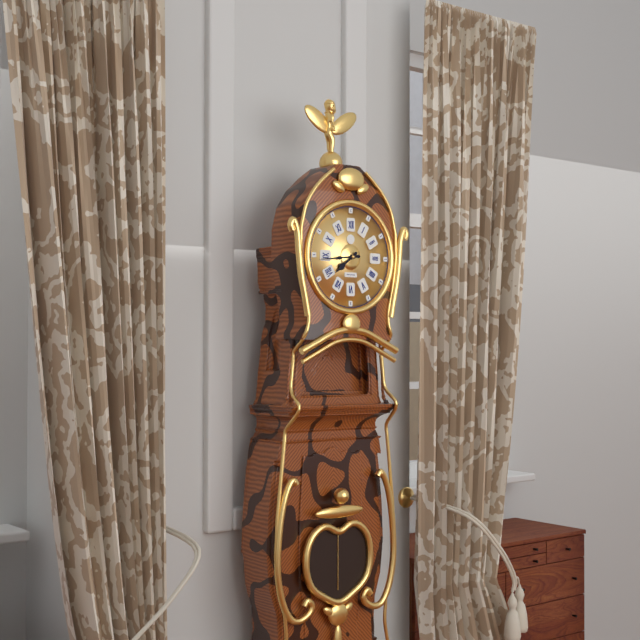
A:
7h44
